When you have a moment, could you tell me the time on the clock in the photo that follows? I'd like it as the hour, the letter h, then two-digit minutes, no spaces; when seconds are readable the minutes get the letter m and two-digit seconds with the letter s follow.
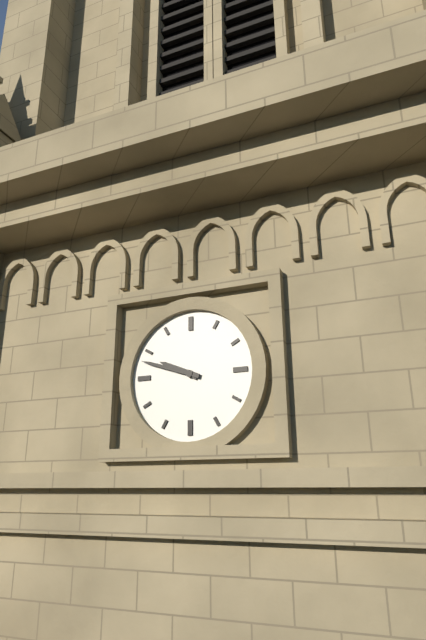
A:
9h48
